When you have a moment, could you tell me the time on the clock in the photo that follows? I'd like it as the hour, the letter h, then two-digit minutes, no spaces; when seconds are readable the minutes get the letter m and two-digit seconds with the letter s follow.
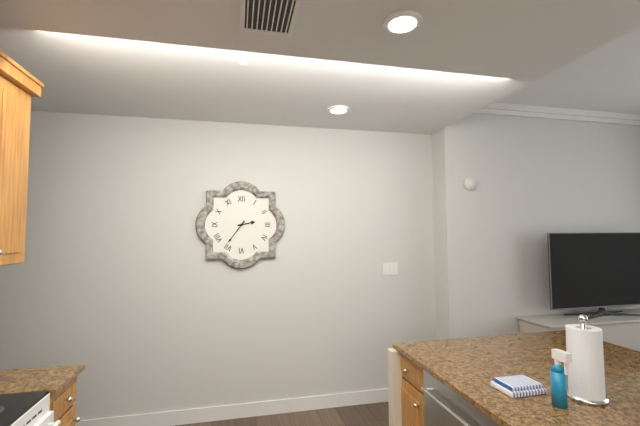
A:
2h36
